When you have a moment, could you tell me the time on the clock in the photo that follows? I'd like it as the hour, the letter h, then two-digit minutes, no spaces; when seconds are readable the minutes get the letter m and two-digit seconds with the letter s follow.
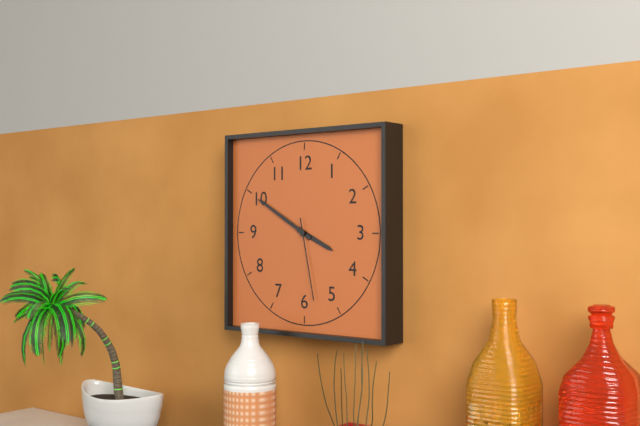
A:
3h50m28s
